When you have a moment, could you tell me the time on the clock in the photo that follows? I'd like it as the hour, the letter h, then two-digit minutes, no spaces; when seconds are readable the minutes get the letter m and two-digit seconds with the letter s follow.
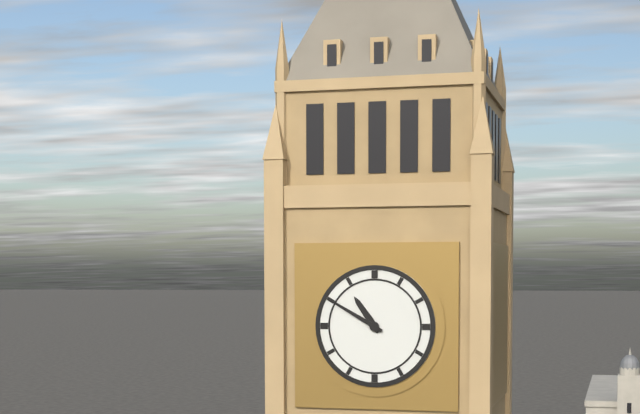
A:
10h50
